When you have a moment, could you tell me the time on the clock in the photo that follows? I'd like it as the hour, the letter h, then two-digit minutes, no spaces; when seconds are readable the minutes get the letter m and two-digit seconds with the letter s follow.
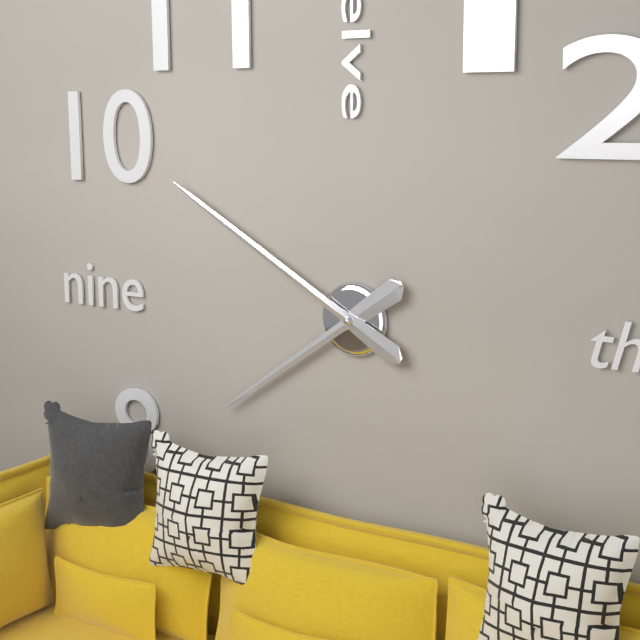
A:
7h50
